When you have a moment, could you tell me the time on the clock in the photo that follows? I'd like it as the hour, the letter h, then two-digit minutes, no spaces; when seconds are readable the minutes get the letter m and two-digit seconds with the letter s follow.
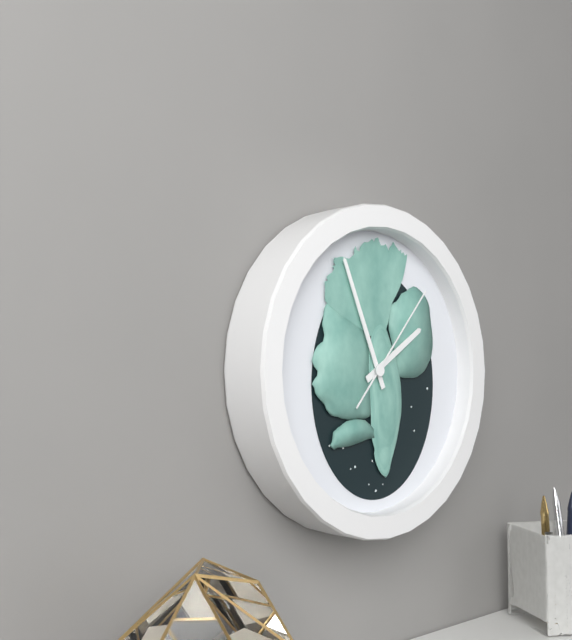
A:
1h56m07s
